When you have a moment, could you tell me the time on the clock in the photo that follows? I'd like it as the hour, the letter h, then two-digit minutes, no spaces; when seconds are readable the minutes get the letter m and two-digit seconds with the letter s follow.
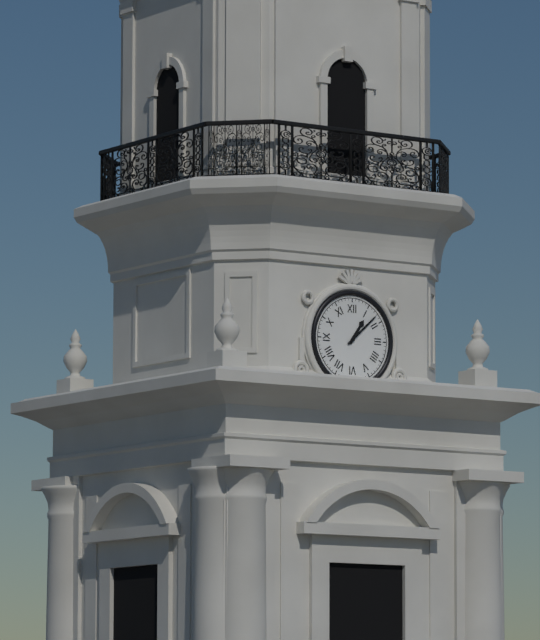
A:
1h08
